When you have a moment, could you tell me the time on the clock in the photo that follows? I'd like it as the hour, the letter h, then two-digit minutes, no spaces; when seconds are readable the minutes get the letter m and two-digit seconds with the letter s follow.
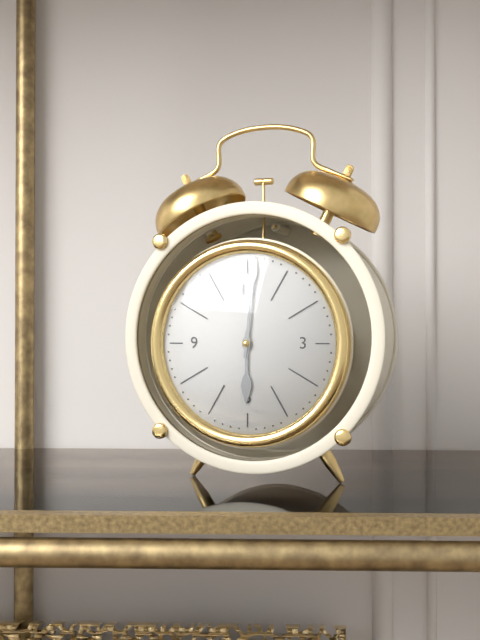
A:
6h01
